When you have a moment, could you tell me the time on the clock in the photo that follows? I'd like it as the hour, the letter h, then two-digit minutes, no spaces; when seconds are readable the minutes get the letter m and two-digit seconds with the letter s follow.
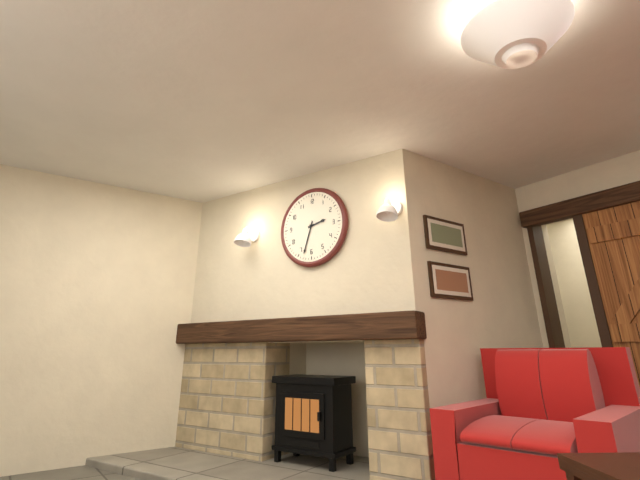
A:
2h33
